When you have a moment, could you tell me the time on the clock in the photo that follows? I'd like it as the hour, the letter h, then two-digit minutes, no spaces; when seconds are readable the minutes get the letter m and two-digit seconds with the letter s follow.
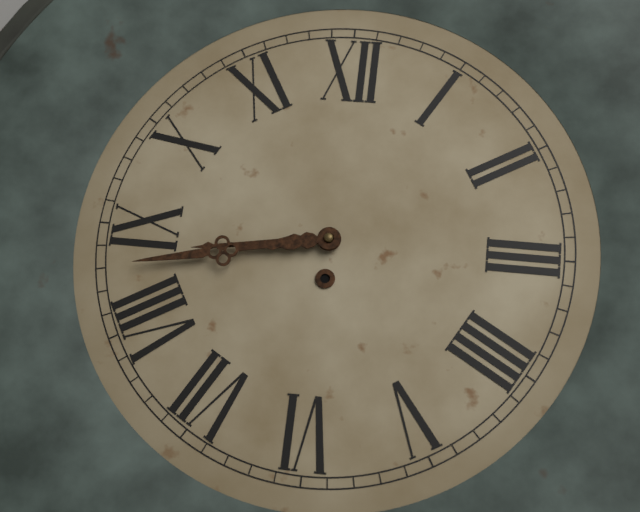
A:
8h43
